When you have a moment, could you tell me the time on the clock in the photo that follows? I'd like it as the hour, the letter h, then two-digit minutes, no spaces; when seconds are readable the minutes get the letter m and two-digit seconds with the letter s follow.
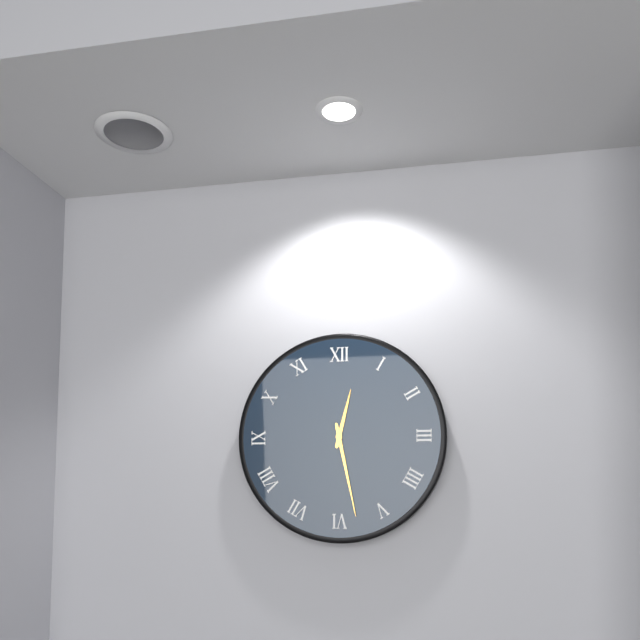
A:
12h28
